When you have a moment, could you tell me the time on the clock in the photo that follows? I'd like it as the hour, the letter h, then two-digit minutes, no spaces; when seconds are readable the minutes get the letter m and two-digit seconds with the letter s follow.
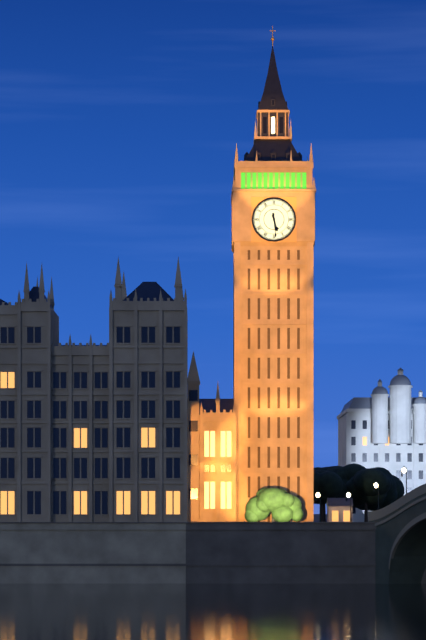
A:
5h29
